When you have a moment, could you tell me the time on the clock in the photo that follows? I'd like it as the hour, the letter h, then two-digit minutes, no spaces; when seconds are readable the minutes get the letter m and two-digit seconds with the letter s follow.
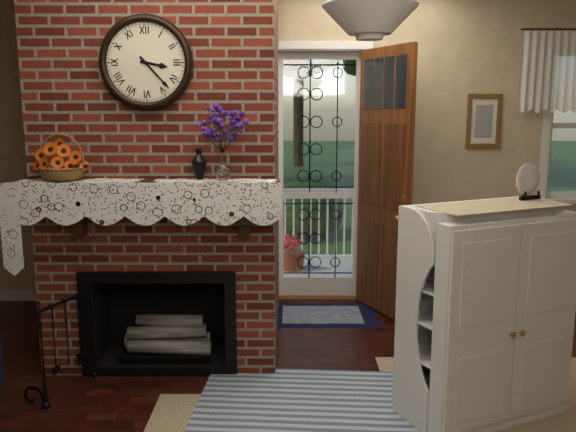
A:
3h23
